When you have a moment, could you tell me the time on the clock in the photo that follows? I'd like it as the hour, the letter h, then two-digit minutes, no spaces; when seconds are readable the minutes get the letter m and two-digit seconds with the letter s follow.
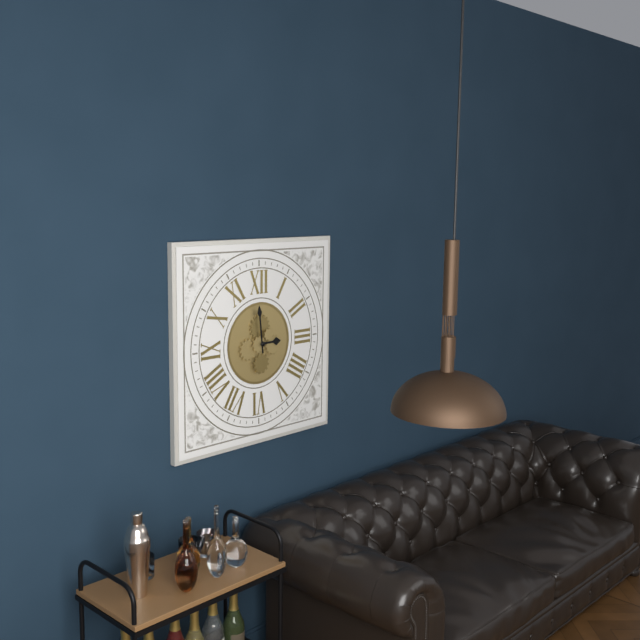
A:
2h59
